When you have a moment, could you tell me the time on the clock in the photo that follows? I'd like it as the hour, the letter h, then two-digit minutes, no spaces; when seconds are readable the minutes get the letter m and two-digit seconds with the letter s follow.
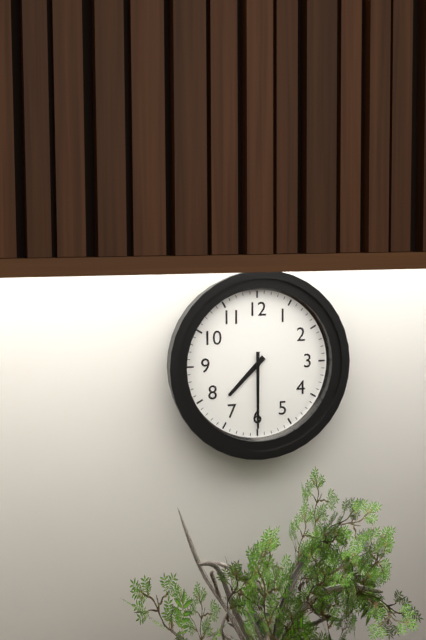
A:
7h30
